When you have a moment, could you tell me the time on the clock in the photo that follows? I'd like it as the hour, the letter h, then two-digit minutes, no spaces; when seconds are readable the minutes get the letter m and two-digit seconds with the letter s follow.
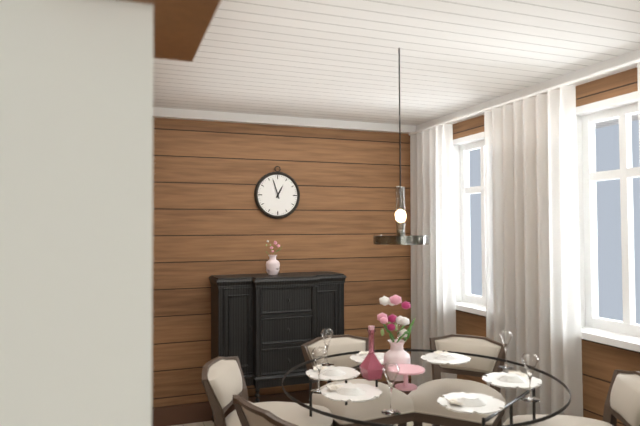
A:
12h57
